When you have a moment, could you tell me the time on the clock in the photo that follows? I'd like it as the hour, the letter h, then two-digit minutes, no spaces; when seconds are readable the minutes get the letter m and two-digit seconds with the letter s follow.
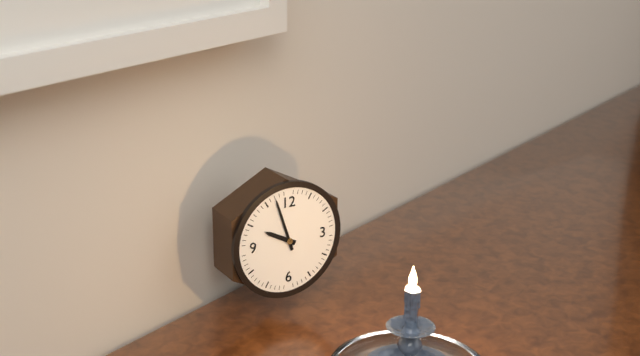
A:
9h57
